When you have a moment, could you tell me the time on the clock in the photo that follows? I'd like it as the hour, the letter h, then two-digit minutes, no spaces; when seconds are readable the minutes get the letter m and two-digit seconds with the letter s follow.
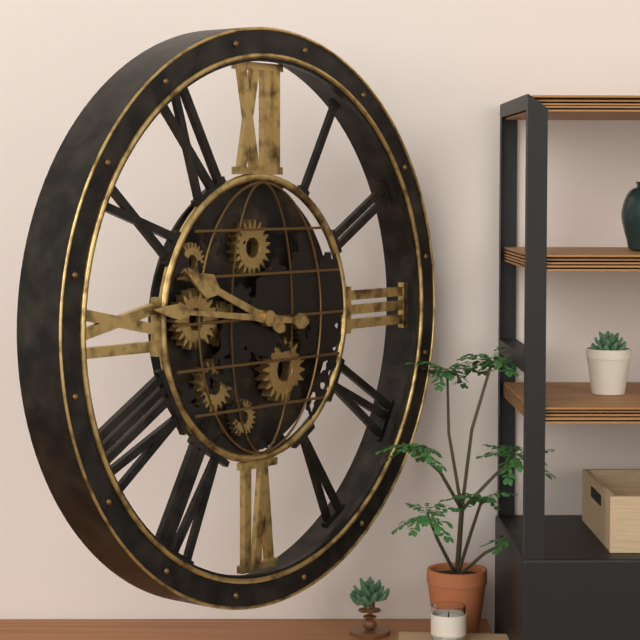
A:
9h46
